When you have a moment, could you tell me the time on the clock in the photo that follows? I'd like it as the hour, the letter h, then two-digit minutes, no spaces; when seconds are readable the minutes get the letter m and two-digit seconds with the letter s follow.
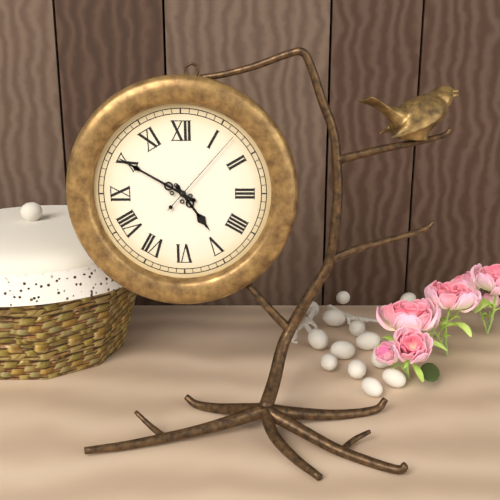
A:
4h50m07s
